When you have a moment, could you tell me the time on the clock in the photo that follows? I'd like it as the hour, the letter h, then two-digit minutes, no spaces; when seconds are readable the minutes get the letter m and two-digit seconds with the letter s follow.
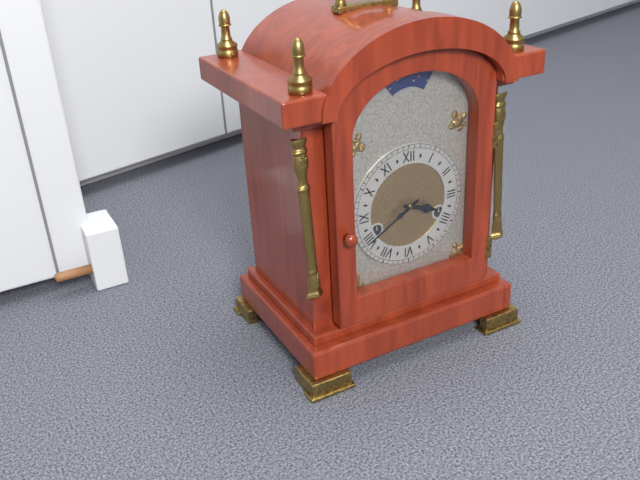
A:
3h40
